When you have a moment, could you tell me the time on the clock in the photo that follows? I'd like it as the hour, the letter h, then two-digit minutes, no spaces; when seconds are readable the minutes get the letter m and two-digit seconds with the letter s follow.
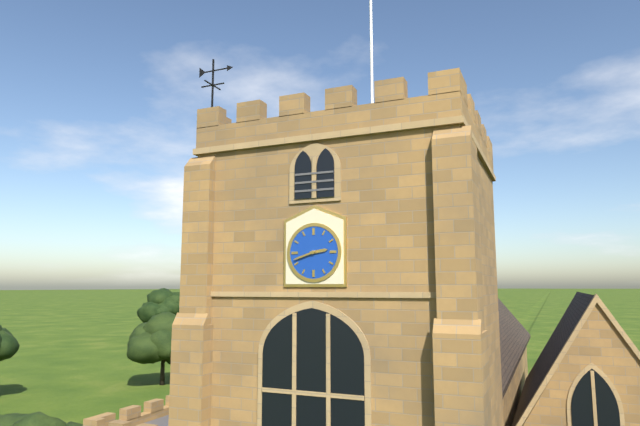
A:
2h42
